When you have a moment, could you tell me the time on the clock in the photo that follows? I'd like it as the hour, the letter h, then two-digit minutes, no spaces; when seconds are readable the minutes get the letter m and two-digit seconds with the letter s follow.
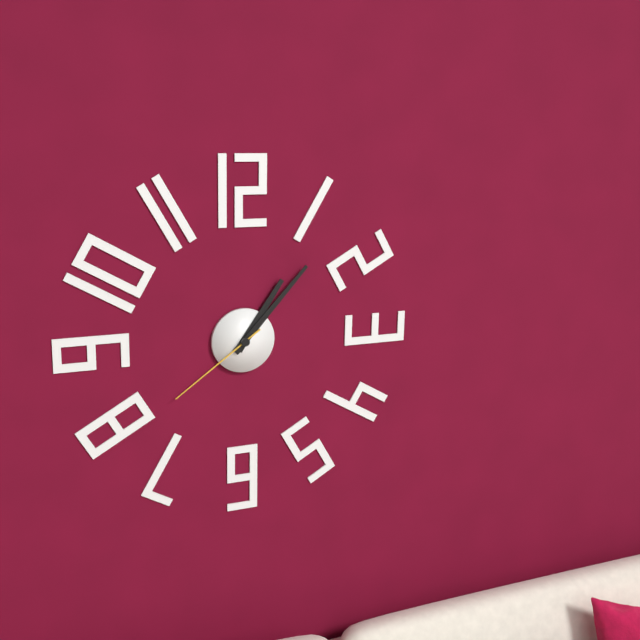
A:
1h07m39s
